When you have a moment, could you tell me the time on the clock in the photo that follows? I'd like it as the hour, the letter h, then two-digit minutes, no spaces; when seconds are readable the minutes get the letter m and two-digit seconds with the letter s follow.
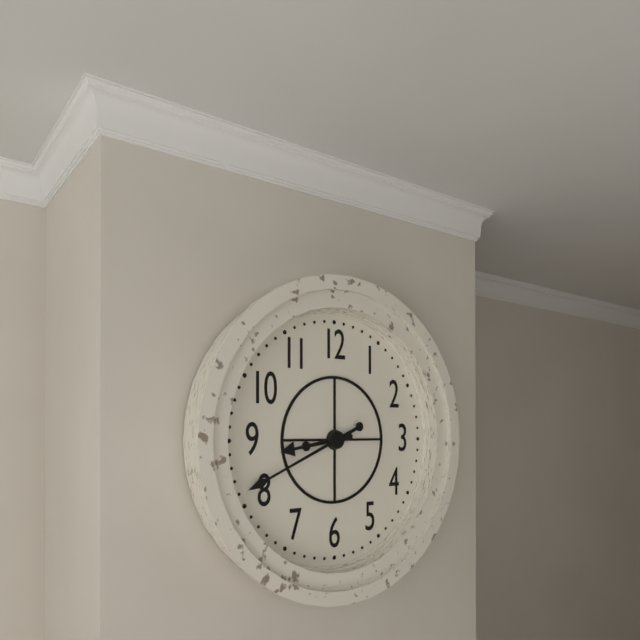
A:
8h41
